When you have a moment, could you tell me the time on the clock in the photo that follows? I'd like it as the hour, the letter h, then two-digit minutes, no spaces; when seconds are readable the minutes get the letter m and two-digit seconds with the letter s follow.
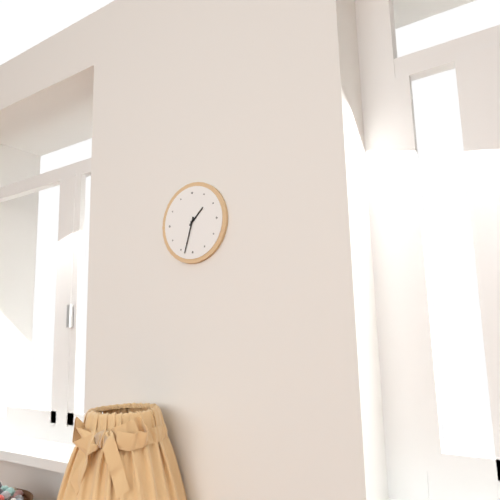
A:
1h33
